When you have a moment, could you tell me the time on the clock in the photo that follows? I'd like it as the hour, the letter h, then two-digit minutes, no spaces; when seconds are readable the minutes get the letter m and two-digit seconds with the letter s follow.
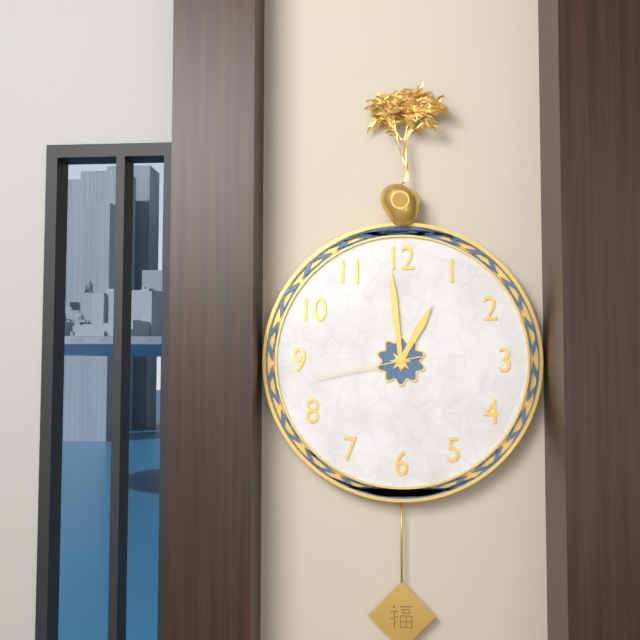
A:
12h59m43s
